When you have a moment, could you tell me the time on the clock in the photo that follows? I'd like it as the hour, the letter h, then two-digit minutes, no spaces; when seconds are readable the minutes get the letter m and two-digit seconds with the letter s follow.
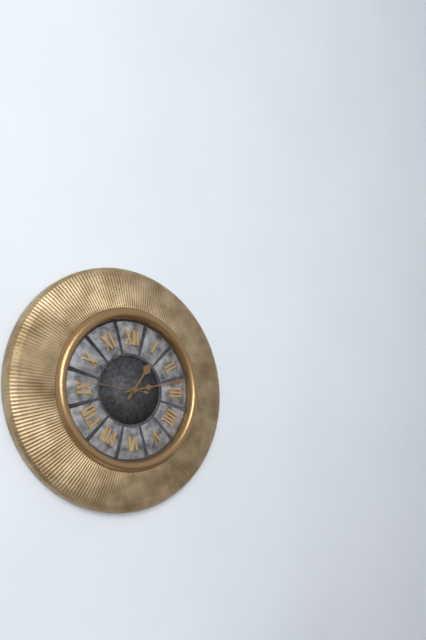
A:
1h13m46s
